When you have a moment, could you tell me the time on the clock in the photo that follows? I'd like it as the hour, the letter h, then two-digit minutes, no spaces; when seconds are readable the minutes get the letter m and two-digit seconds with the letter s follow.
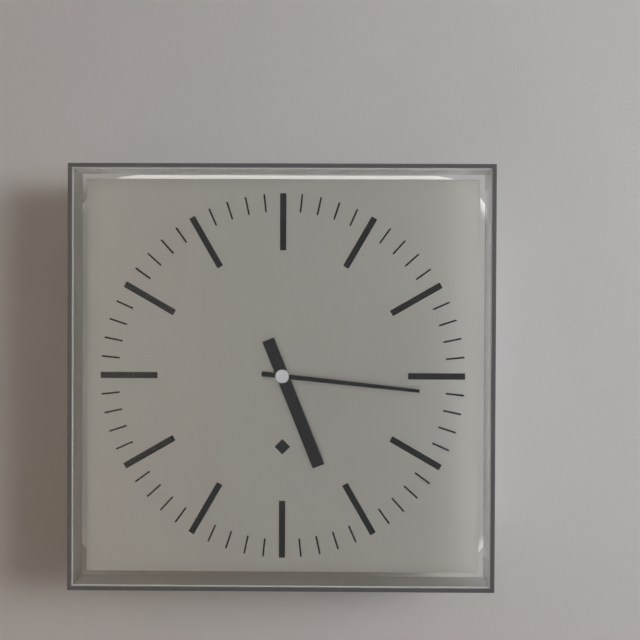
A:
5h16
